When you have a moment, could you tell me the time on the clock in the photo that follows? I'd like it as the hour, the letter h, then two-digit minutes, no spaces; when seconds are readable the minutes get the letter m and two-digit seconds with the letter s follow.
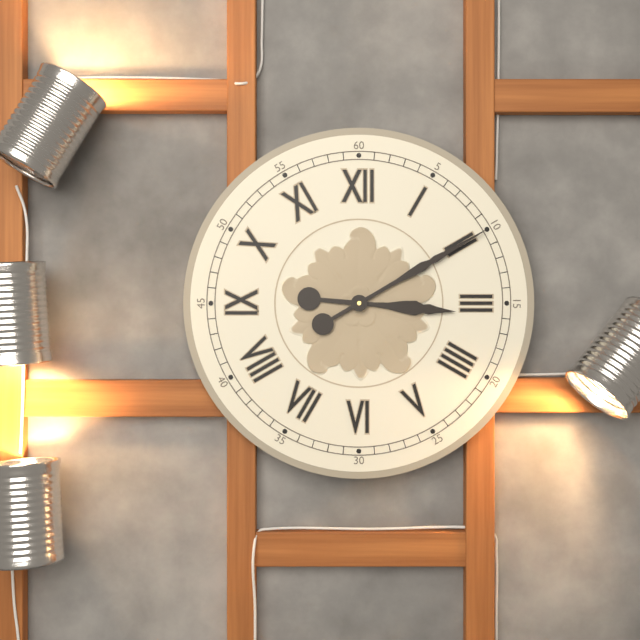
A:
3h10
